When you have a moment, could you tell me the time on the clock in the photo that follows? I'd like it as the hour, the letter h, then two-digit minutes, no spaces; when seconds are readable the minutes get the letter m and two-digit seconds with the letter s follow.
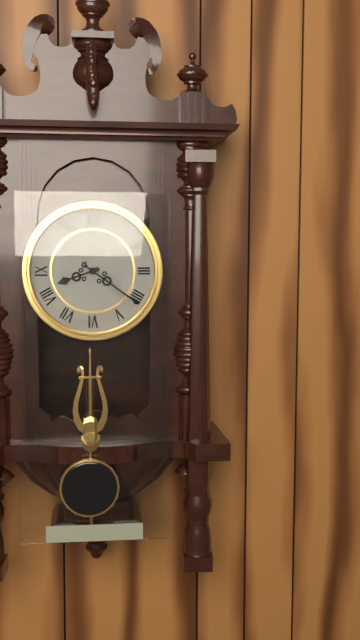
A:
8h21
